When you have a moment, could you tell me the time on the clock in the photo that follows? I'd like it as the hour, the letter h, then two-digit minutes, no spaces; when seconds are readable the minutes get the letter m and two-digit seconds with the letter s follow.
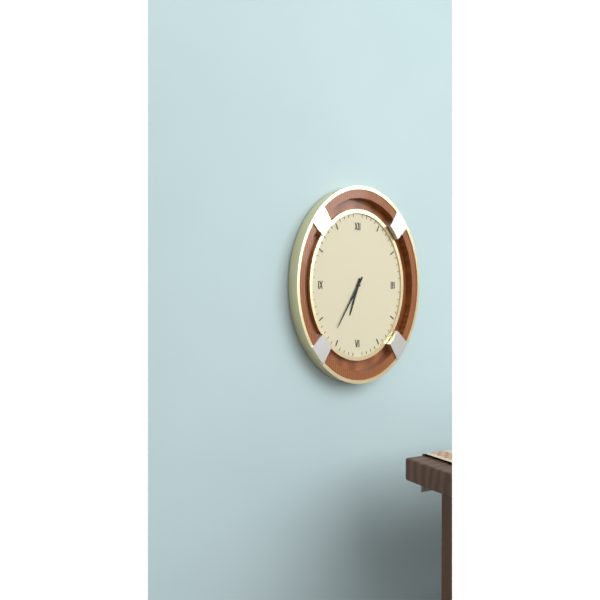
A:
6h35
